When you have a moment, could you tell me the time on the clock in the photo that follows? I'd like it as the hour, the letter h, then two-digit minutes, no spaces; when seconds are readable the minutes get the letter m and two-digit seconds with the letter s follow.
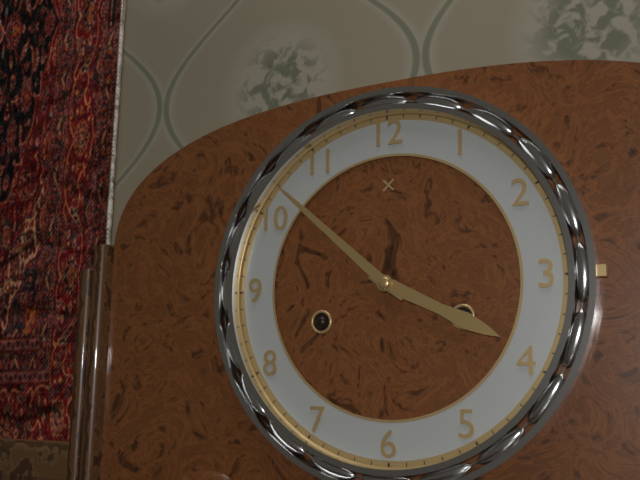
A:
3h52
